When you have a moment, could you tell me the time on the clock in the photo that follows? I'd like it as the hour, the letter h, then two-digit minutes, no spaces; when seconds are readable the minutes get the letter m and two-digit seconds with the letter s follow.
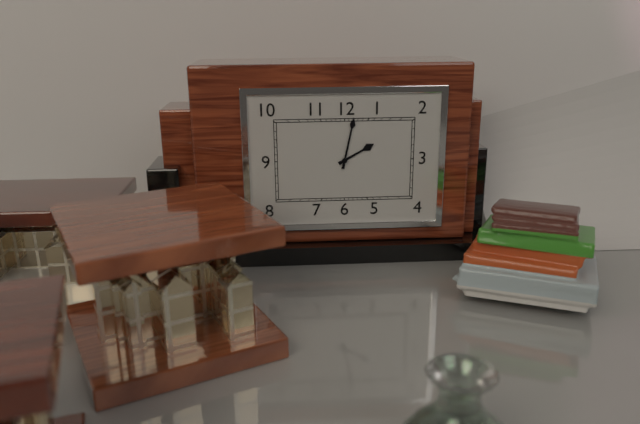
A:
2h02
